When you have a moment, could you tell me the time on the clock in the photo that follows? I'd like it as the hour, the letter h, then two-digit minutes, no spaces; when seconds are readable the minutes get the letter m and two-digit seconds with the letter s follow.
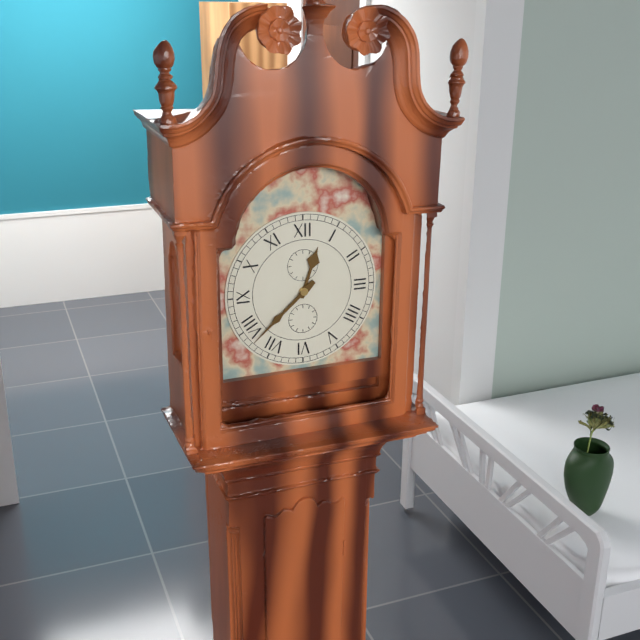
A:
12h38
